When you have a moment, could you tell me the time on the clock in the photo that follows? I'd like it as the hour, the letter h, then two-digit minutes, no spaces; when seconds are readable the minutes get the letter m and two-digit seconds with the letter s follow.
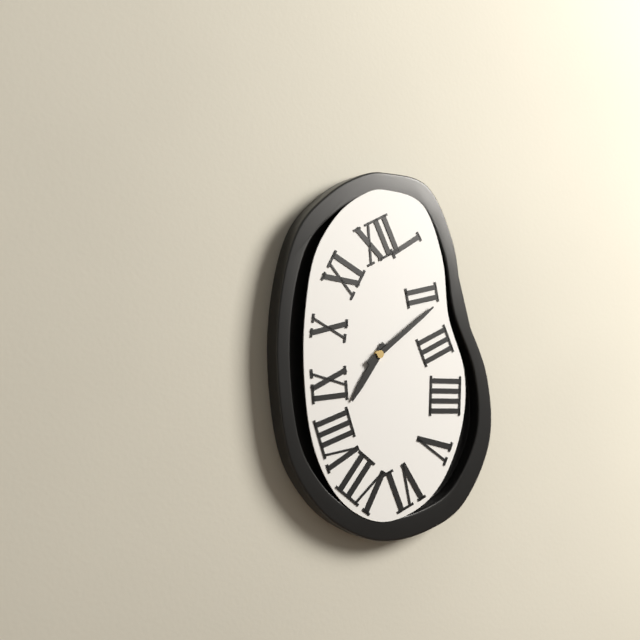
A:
7h09
